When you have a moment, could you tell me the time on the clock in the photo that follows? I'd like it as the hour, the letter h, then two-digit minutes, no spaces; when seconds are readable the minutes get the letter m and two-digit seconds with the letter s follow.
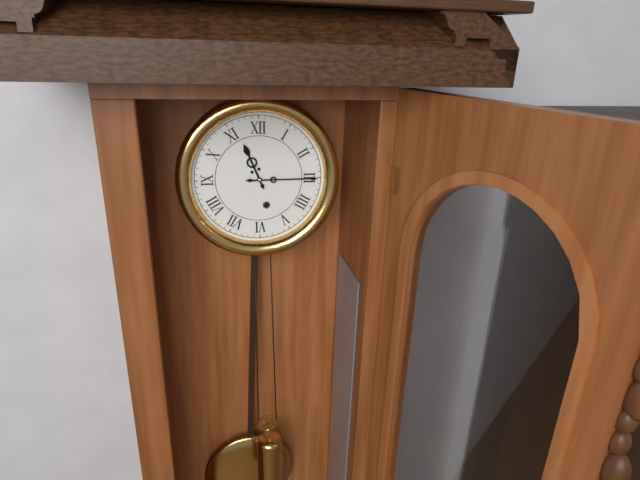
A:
11h15
